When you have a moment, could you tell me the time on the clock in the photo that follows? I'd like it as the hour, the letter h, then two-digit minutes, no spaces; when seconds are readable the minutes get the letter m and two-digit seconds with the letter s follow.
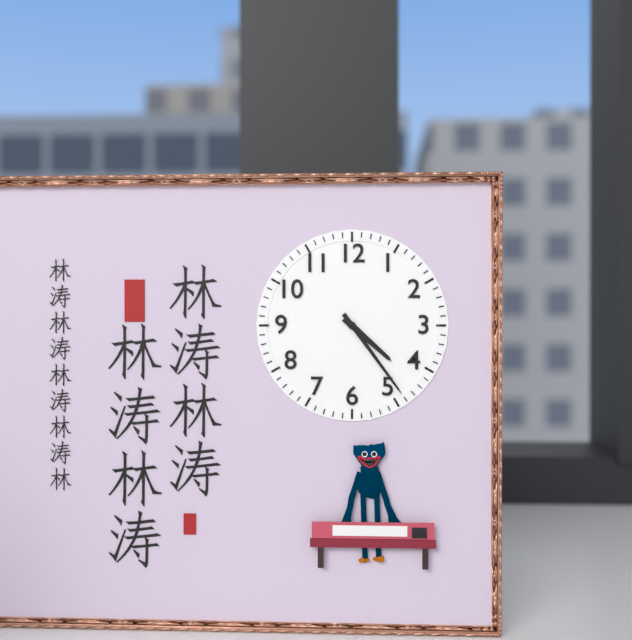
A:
4h24
